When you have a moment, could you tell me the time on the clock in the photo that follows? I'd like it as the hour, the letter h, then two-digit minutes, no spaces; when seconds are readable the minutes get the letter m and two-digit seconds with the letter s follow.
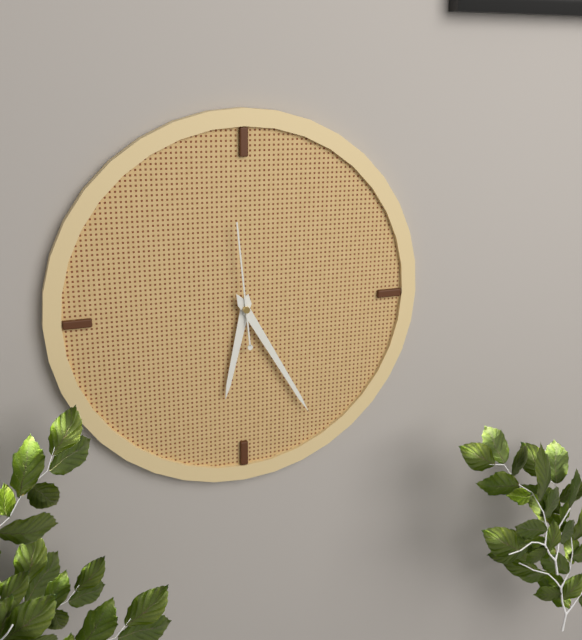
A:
6h25m59s
